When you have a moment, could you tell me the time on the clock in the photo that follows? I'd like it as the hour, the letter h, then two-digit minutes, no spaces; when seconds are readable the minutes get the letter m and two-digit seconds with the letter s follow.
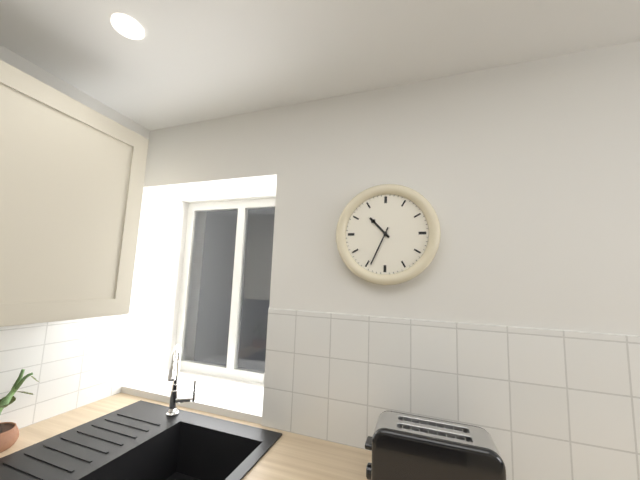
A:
10h34
